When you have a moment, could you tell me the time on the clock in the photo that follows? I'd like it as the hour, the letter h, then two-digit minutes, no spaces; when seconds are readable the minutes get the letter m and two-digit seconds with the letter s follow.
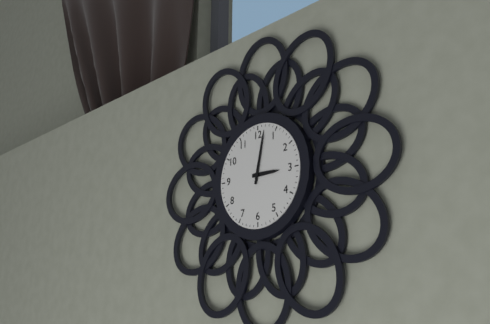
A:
3h02
